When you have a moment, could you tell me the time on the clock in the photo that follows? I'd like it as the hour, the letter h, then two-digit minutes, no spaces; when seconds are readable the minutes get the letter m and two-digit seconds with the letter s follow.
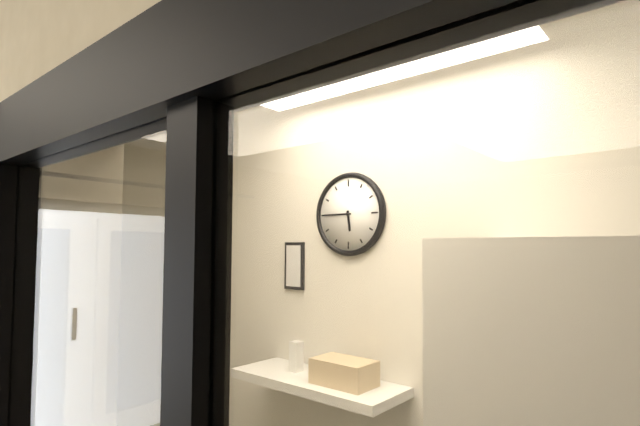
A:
5h45
